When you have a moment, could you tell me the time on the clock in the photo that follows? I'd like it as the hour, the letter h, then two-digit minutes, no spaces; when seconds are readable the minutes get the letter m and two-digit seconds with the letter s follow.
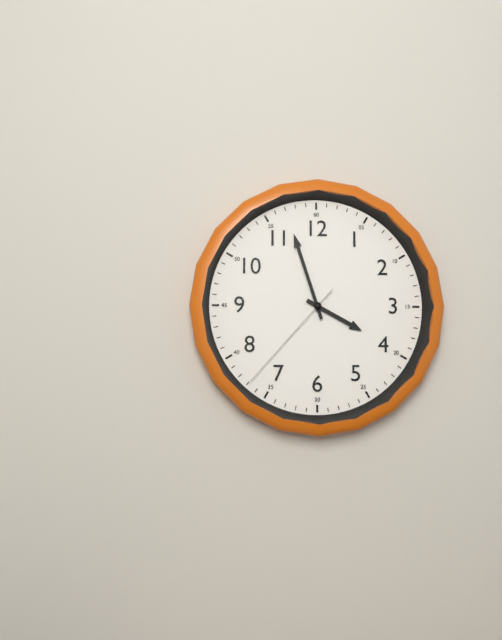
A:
3h57m37s
